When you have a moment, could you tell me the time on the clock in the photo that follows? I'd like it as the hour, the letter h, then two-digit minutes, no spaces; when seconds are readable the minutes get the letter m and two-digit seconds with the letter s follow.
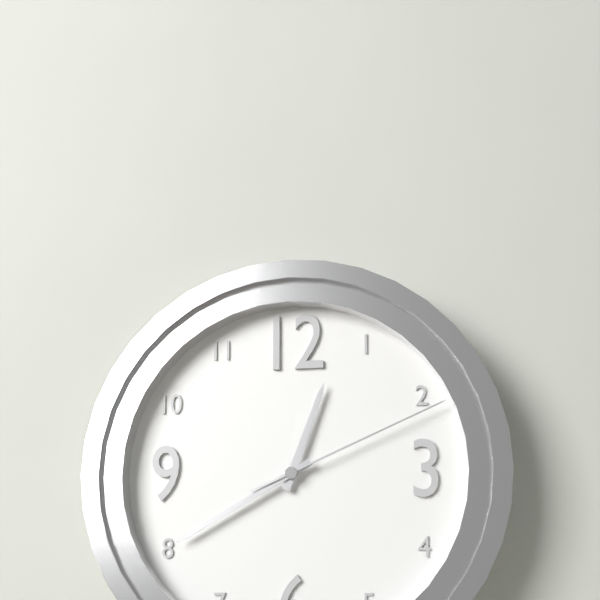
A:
12h40m11s
